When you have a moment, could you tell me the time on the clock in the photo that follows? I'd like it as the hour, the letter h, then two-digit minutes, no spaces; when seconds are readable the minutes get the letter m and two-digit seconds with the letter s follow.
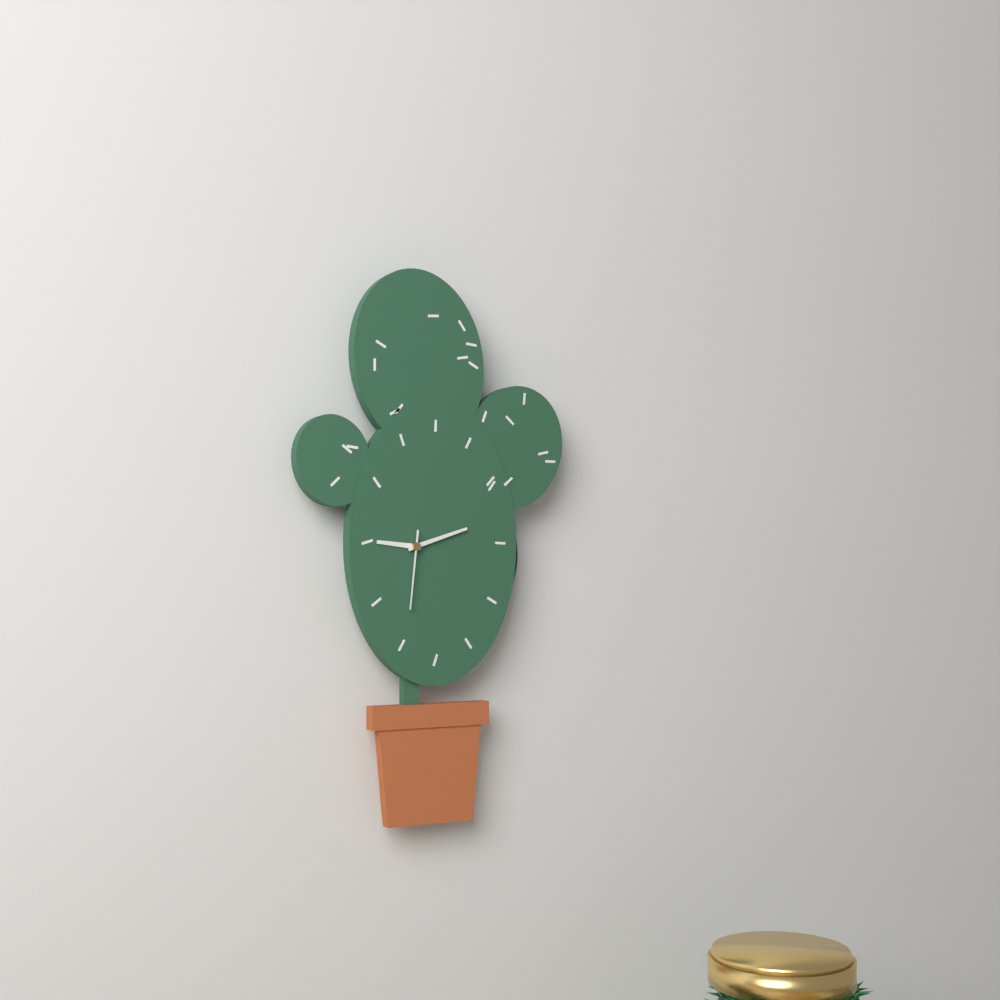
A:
9h12m31s
